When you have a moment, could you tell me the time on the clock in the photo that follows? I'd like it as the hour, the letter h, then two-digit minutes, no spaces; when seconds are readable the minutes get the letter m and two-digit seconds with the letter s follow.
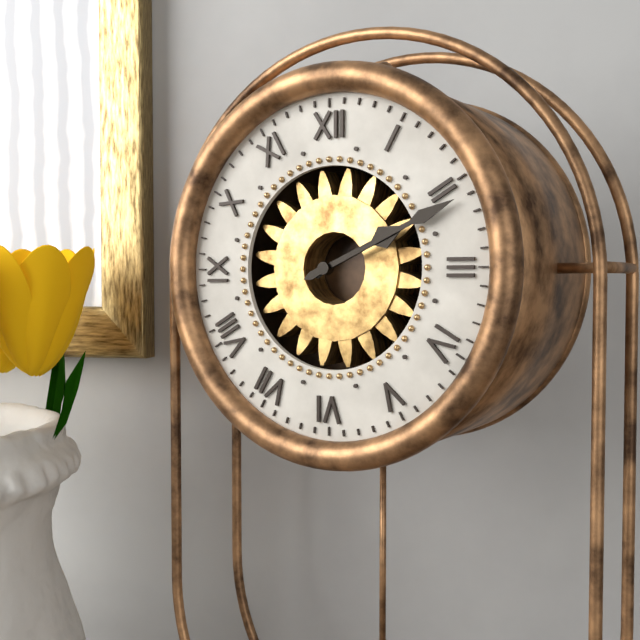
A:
2h11
